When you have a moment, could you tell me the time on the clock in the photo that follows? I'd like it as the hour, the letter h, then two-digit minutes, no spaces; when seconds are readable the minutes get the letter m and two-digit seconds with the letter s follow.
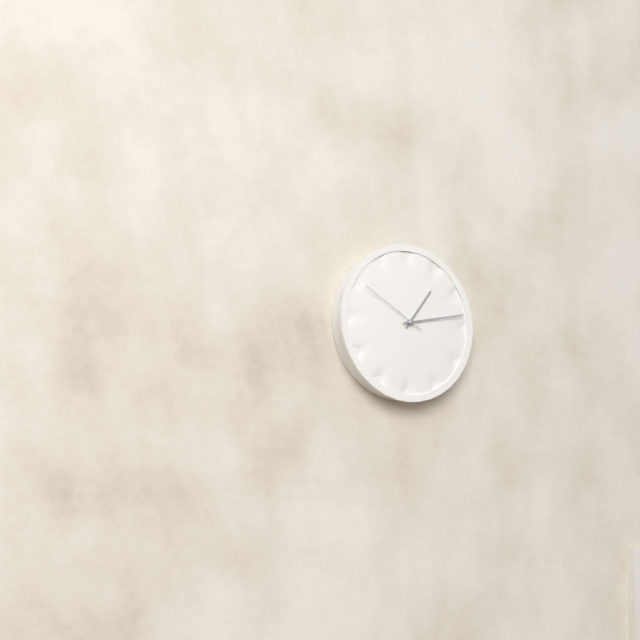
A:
1h13m50s
